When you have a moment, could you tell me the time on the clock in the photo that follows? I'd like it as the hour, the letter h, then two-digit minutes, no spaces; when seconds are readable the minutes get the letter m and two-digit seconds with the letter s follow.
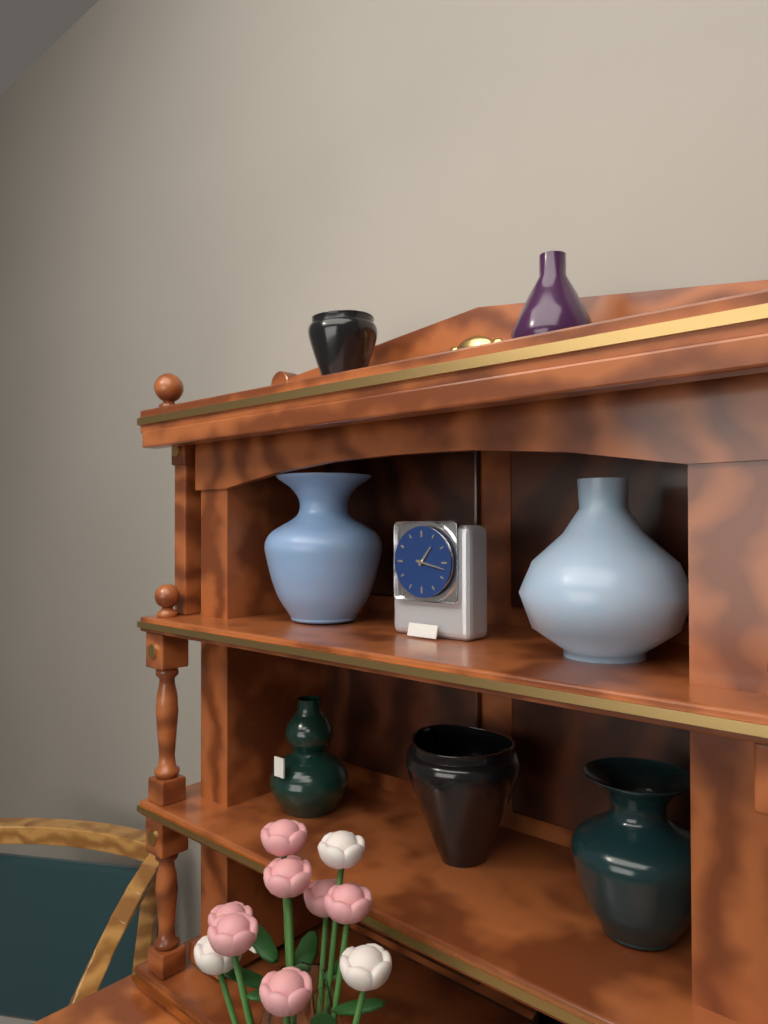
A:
1h17
